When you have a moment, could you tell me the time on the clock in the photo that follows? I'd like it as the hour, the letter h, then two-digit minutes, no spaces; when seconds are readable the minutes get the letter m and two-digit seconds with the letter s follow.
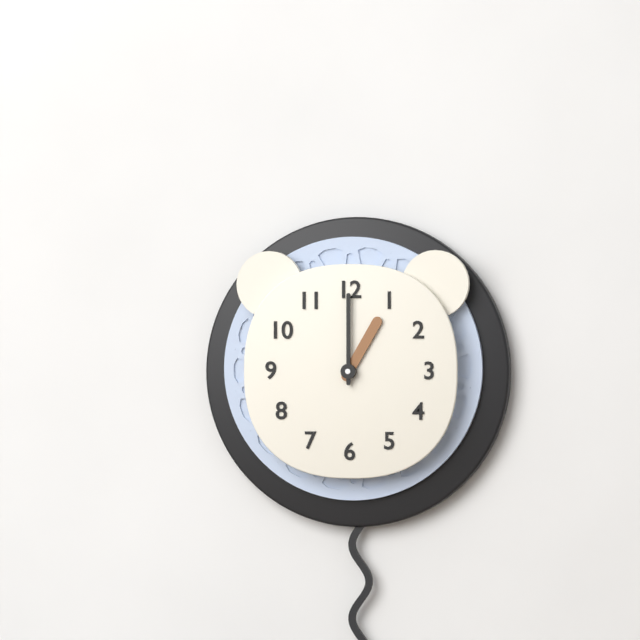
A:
1h00
